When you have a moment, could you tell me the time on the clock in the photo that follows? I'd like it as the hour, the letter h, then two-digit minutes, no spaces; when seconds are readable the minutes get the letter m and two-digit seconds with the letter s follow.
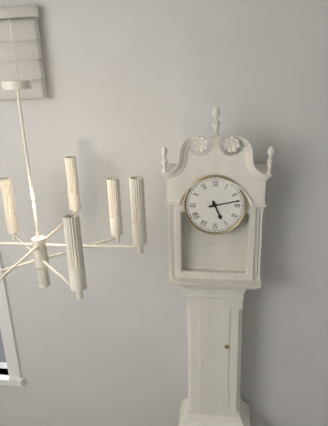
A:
5h13
